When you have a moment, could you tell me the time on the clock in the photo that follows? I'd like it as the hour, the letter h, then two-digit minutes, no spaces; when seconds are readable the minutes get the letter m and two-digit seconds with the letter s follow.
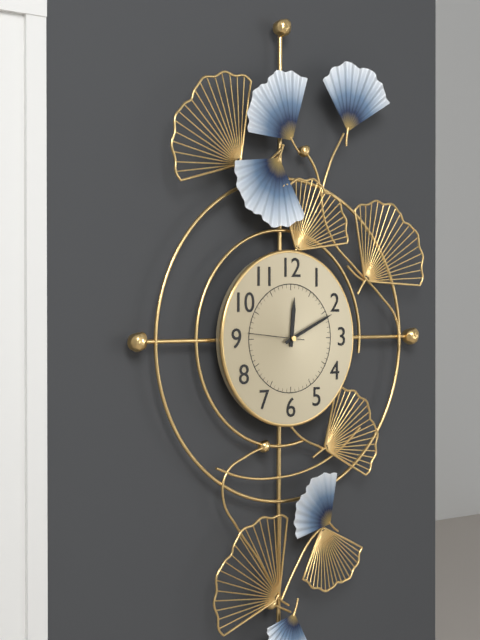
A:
12h11m46s
